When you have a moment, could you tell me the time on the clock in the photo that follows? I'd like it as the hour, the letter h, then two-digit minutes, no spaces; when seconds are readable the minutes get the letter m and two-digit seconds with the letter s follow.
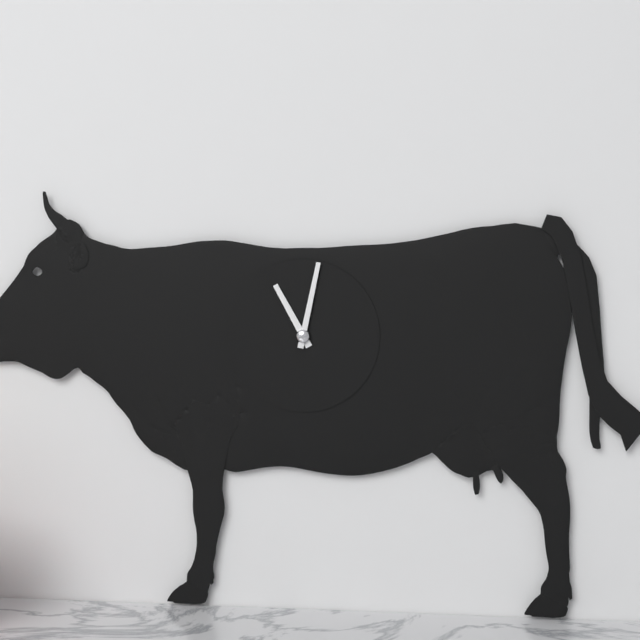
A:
11h02
